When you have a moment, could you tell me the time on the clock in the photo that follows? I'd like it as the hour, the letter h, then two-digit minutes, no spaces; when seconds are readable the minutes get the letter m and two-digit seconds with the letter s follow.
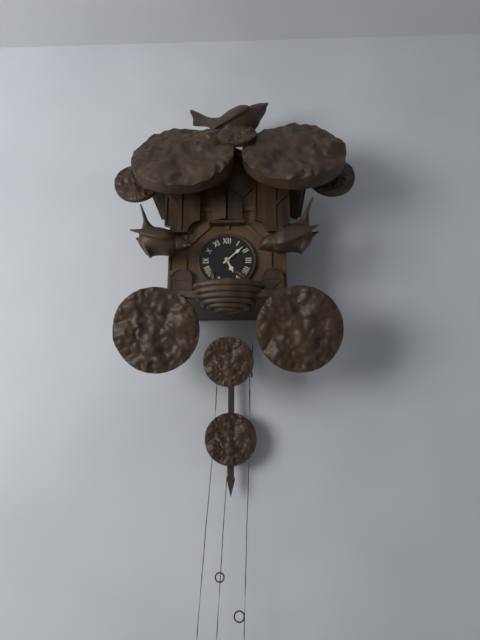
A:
5h08
